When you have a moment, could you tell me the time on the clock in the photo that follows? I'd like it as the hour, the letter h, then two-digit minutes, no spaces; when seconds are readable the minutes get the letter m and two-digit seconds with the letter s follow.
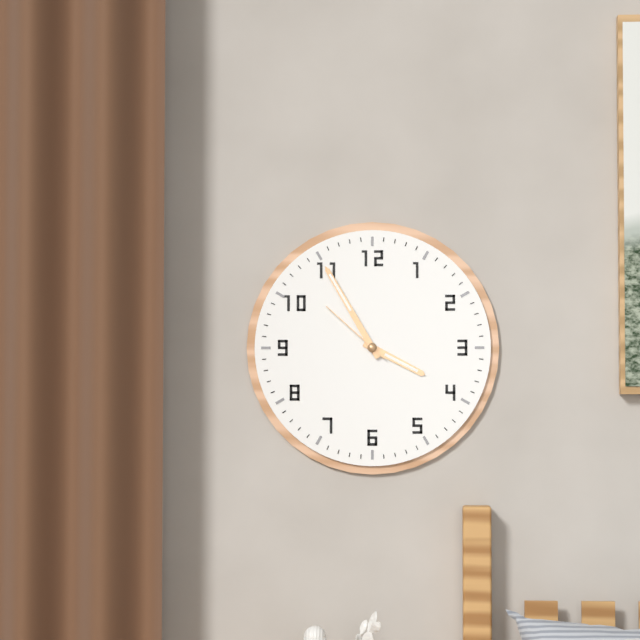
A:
3h55m52s
